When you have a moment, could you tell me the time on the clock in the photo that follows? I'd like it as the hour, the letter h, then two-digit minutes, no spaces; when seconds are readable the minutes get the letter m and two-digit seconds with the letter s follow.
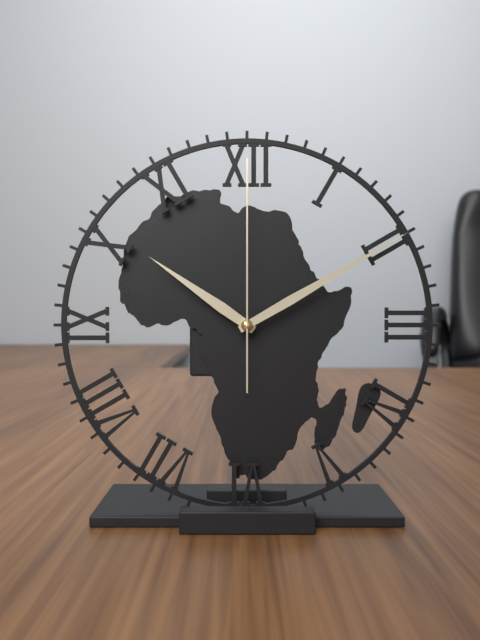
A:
10h10m00s
